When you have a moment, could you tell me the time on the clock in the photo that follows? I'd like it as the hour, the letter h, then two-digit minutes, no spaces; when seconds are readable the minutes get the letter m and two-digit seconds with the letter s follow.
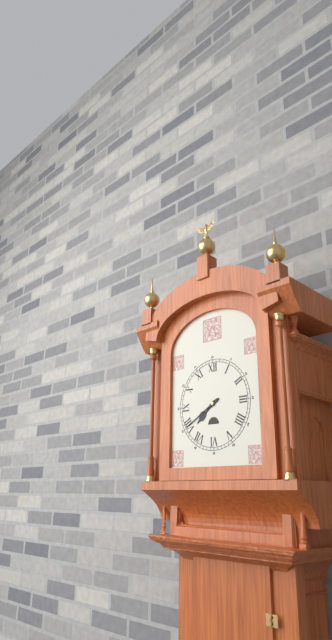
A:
7h40
